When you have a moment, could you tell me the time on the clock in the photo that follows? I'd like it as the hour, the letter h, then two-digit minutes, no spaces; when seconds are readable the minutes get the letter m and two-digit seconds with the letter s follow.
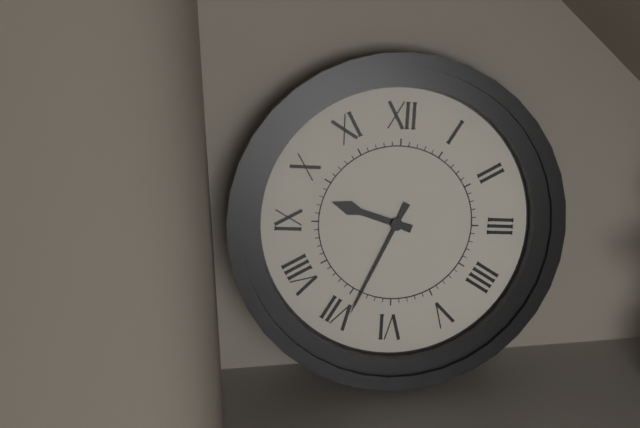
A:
9h34
